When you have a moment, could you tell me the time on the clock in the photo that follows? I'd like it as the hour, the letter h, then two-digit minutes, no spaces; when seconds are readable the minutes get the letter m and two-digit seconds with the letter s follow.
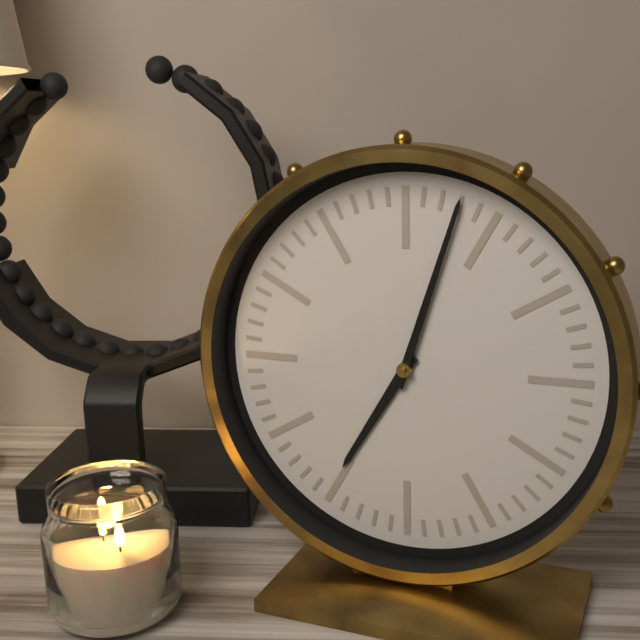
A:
7h03
